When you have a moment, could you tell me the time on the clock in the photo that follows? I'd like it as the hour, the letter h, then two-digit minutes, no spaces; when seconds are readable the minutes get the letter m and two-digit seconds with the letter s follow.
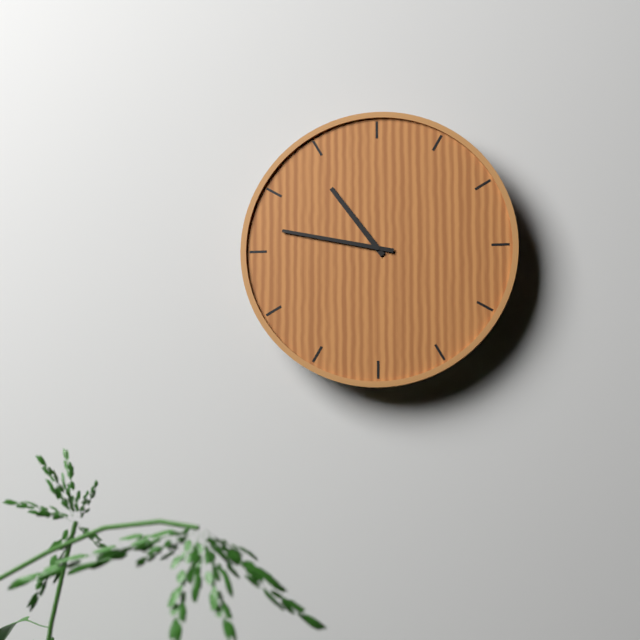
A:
10h47
